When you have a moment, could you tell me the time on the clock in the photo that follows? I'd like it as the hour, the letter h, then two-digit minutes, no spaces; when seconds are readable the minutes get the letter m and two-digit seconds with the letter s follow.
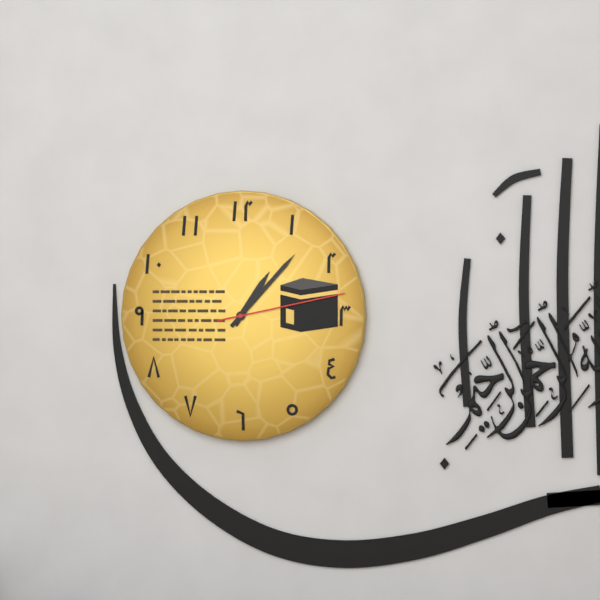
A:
1h07m13s
